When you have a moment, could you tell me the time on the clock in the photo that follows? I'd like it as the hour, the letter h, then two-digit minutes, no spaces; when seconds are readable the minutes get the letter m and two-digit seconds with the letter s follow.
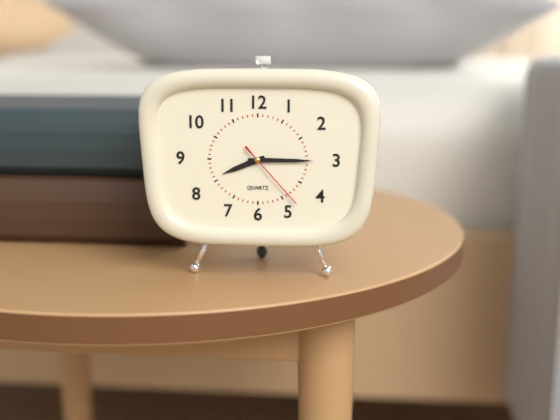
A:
8h15m23s
